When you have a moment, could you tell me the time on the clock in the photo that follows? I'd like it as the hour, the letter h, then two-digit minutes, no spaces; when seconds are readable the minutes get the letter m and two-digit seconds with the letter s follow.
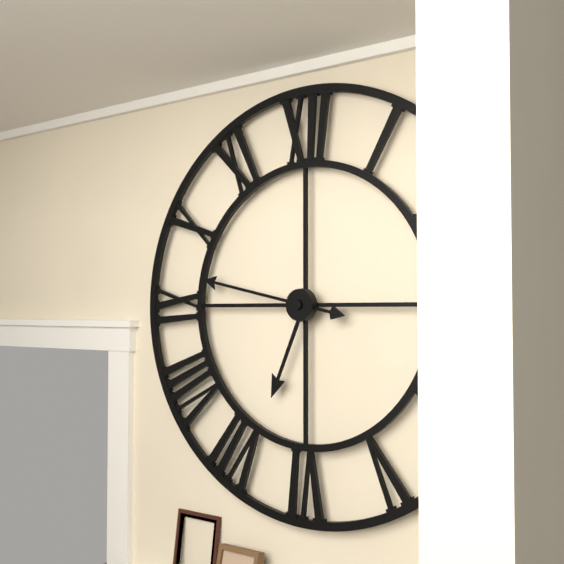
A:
6h47
